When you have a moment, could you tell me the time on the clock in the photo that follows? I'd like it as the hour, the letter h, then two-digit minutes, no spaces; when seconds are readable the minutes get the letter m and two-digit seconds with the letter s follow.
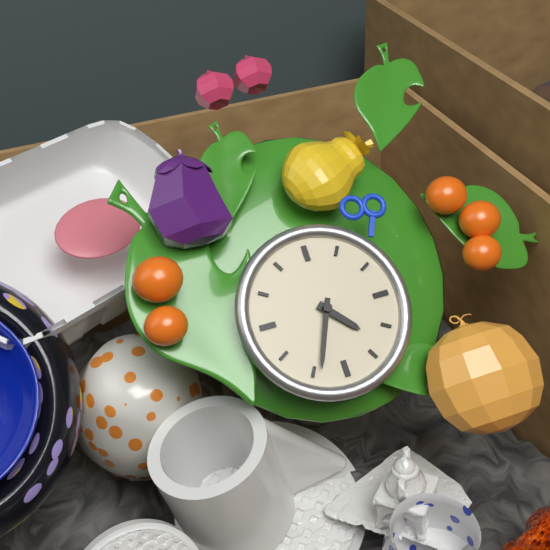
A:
4h34
